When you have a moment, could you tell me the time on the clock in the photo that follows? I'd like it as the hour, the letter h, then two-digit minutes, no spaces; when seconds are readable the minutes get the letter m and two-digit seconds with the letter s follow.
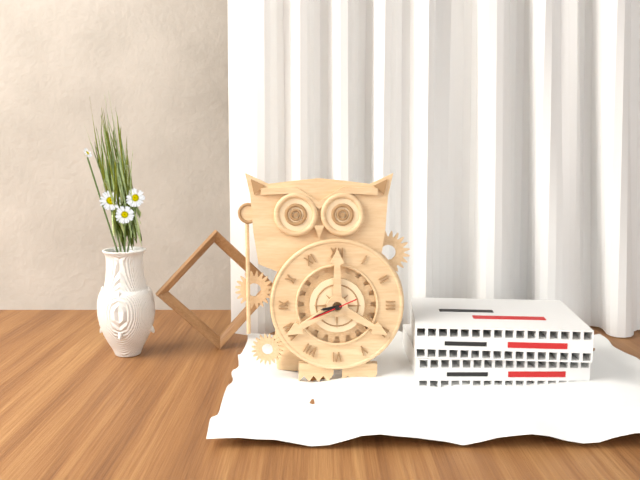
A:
8h41
